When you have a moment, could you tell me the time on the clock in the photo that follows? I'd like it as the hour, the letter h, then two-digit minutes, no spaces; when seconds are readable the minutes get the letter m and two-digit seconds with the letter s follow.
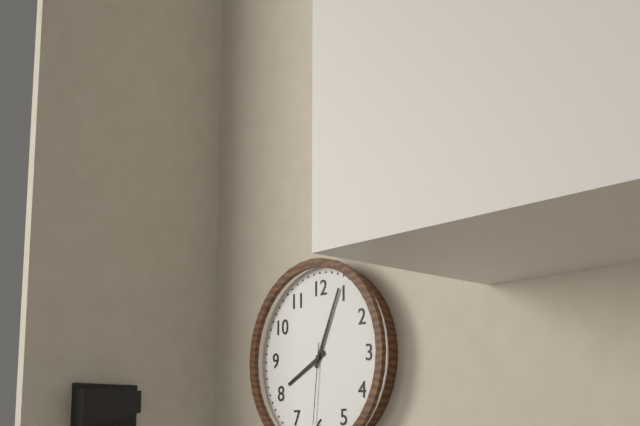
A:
8h04m31s
